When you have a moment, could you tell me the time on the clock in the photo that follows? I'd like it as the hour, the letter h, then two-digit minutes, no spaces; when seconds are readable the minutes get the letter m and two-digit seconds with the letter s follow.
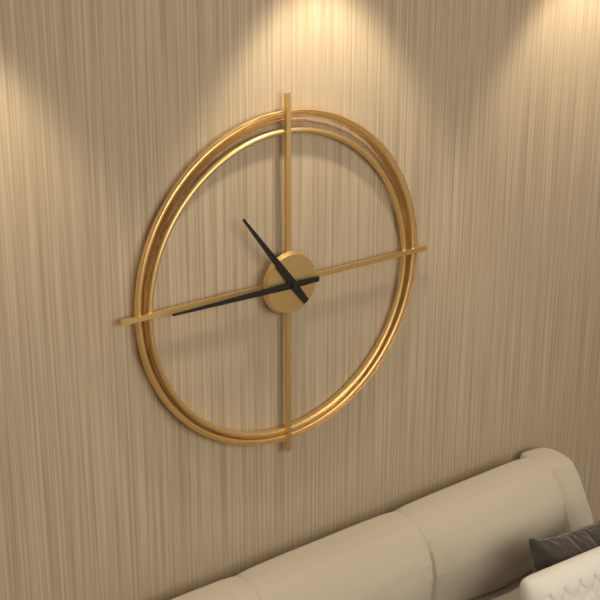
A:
10h45
